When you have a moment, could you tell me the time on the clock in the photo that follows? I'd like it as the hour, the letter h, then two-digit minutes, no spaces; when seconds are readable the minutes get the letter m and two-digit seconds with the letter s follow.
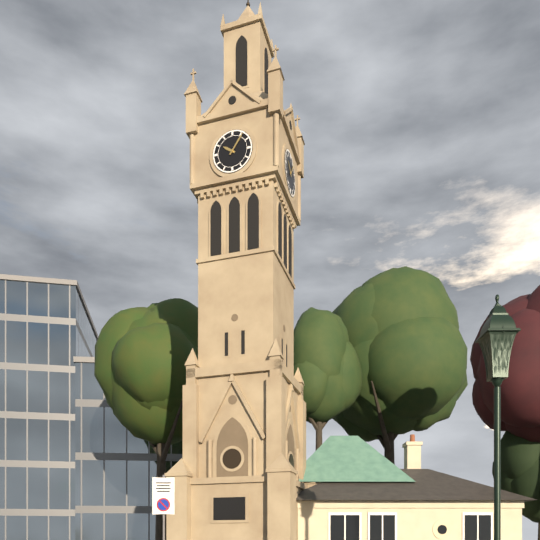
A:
10h06
